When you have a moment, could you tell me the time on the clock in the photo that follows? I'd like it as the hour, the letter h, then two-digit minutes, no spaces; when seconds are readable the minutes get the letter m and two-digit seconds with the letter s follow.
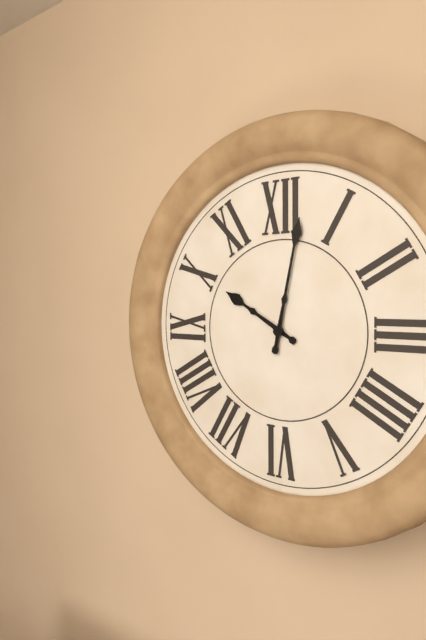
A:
10h02
